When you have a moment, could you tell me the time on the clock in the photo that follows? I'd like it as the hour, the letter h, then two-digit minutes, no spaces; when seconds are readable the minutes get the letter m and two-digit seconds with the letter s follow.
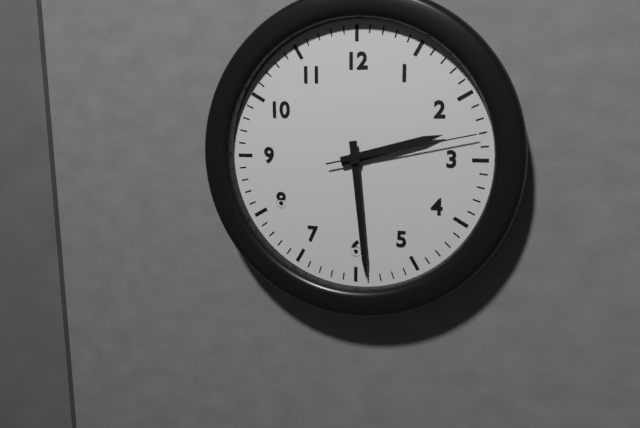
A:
2h29m13s
